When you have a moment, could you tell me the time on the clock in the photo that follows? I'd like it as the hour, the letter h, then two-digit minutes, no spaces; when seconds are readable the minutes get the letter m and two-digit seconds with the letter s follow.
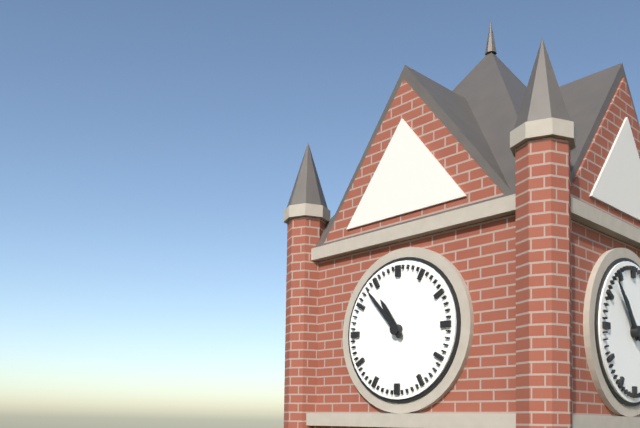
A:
10h53
